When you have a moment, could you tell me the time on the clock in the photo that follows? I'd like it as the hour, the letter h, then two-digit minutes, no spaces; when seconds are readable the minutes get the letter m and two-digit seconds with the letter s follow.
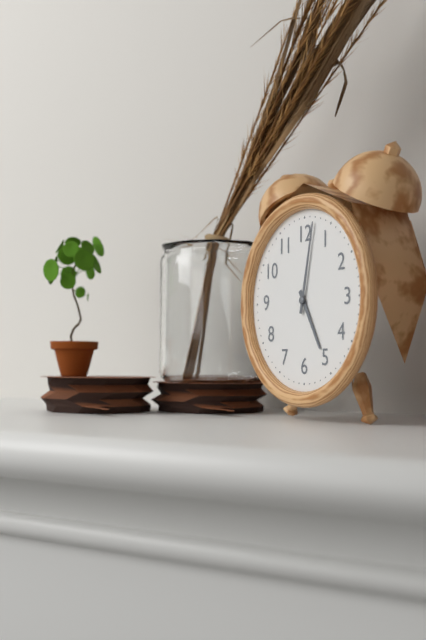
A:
5h02
